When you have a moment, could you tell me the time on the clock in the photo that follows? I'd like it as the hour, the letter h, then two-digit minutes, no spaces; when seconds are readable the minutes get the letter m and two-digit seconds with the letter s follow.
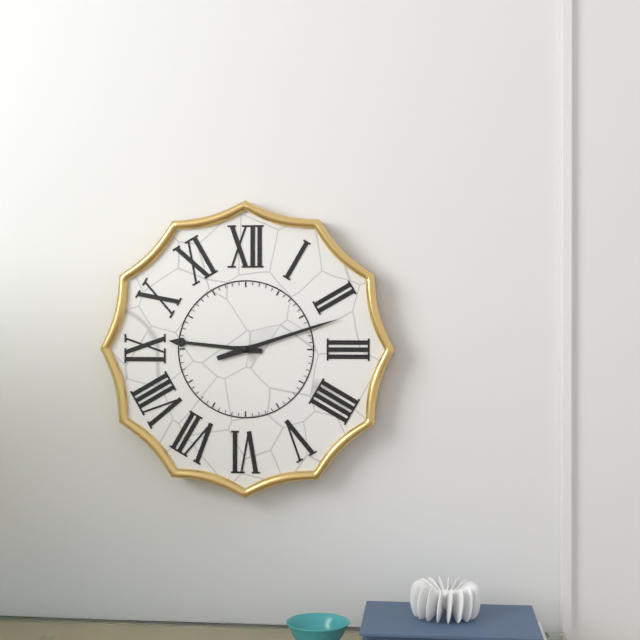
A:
9h12
